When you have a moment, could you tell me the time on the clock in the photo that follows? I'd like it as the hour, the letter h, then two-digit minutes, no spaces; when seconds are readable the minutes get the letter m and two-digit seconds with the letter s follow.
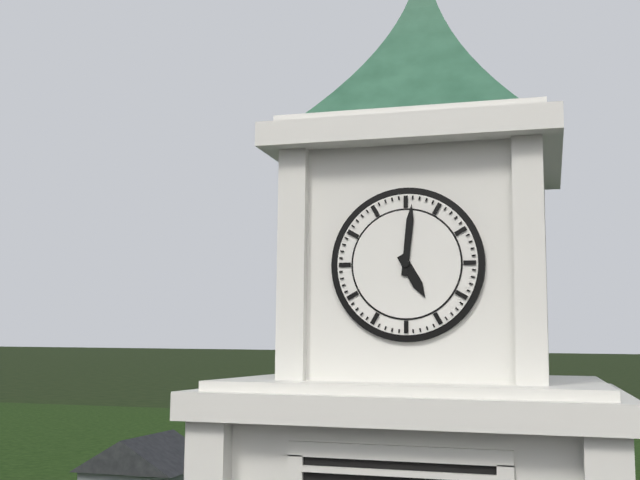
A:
5h01
